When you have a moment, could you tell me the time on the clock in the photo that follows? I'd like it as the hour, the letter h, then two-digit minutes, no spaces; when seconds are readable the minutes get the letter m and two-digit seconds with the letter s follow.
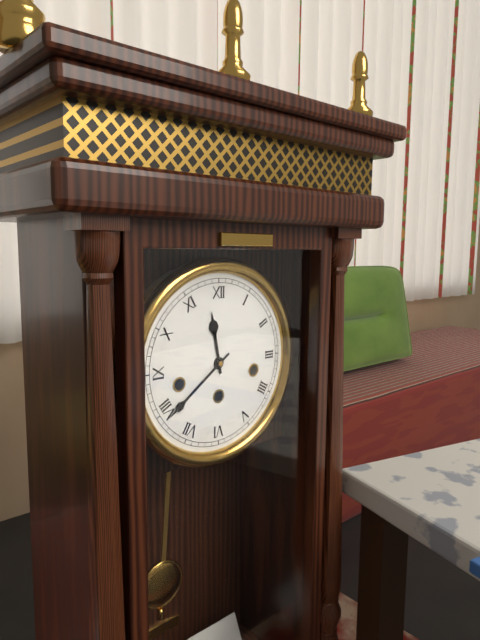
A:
11h39
